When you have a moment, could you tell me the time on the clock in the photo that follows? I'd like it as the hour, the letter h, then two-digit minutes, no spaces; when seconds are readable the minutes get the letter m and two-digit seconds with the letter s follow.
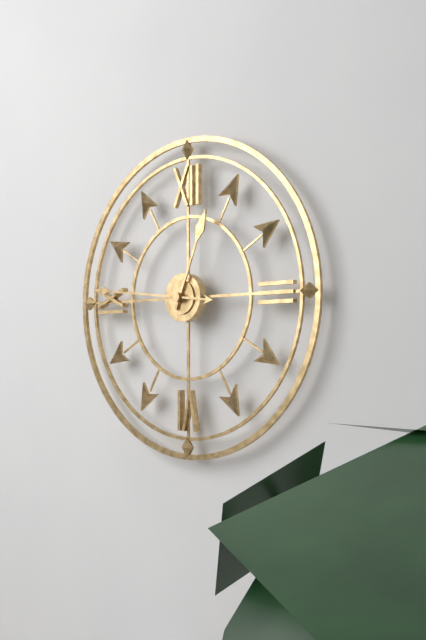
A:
12h46
